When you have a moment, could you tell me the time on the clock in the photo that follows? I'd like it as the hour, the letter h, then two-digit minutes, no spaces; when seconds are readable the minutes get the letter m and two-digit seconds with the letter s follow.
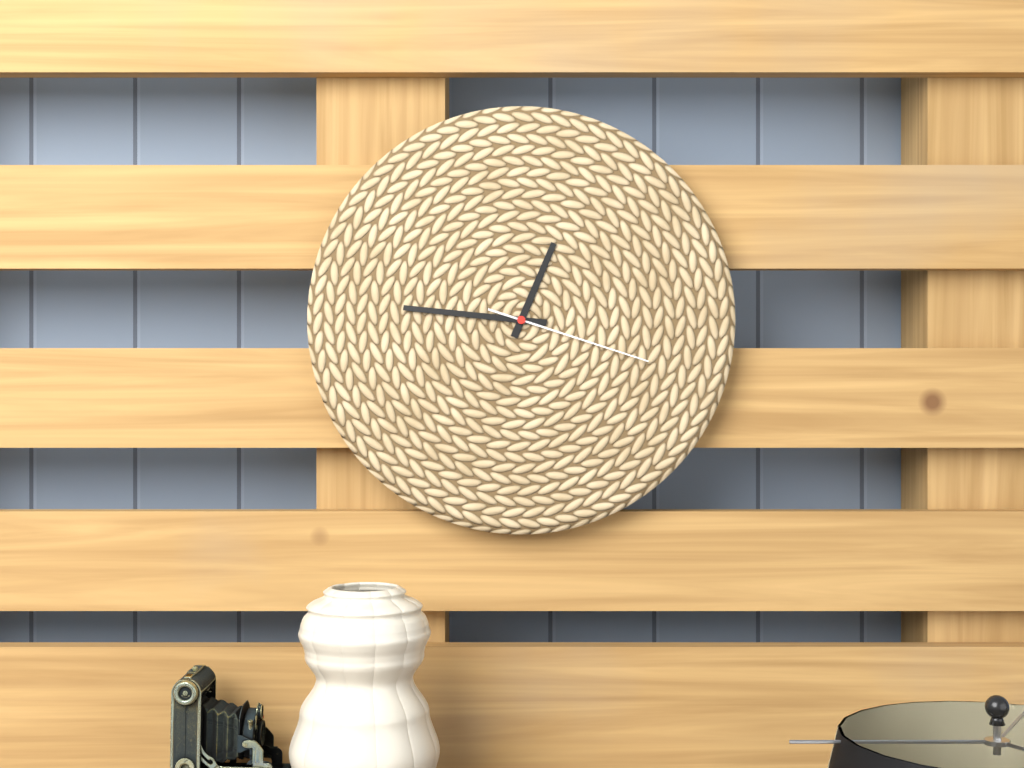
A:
12h46m18s
